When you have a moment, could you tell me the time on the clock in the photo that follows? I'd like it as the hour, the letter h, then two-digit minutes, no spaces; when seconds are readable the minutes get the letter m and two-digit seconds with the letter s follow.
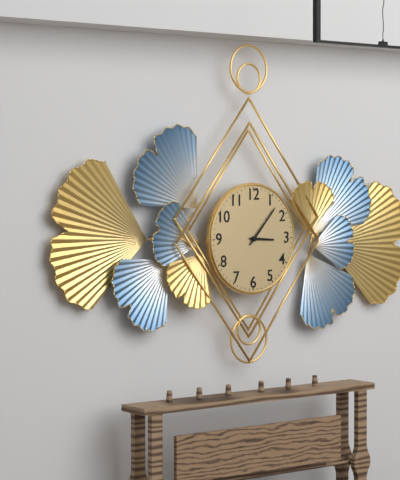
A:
3h07
